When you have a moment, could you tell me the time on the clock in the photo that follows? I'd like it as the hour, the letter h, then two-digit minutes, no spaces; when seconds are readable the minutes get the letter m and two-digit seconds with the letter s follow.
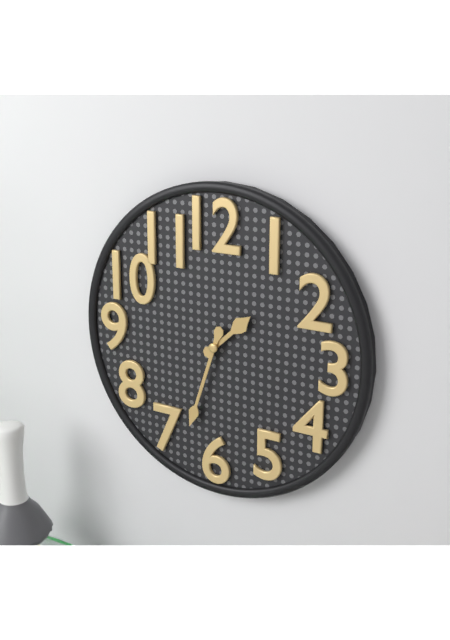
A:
1h33
